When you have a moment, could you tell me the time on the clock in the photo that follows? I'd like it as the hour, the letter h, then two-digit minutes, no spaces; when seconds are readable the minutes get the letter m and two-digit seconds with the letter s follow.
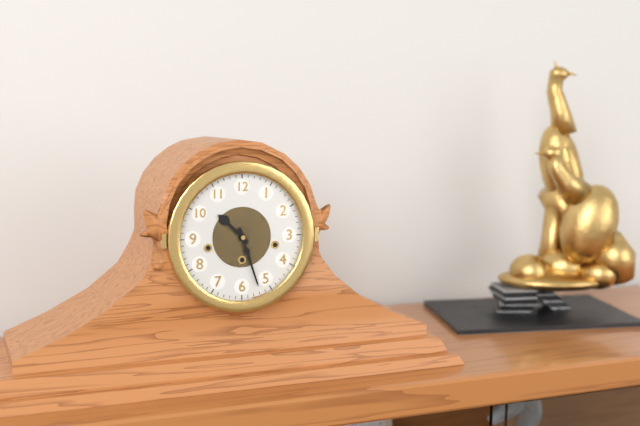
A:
10h27
